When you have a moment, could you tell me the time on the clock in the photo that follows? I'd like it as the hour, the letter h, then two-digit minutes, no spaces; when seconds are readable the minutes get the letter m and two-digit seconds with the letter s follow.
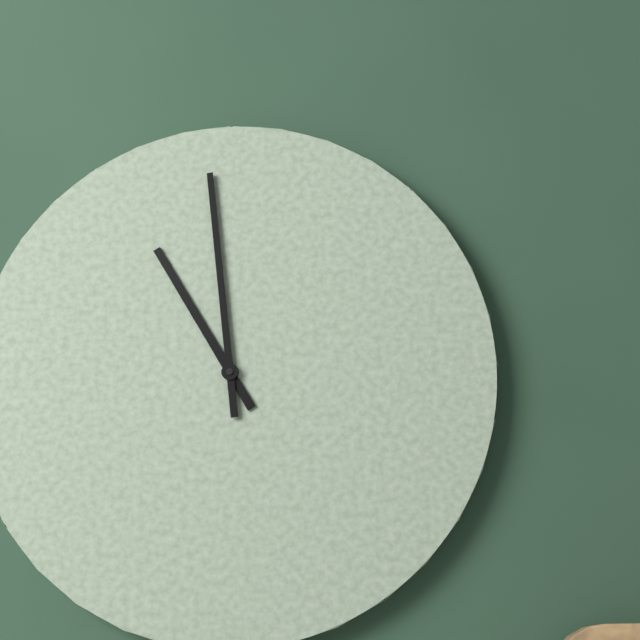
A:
10h59
